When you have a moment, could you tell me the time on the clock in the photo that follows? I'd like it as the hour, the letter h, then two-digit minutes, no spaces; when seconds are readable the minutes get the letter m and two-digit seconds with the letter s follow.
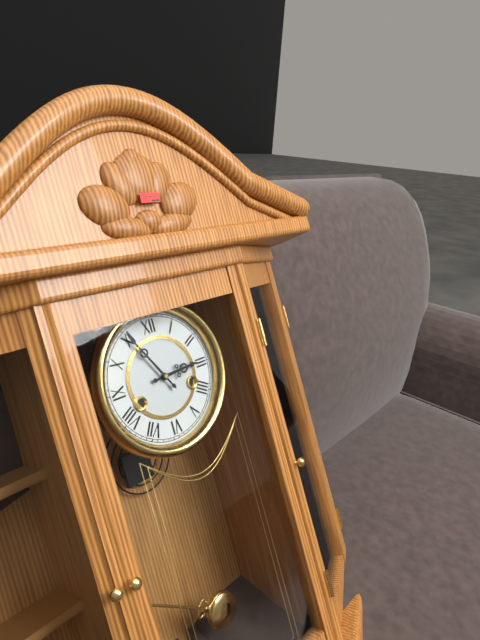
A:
2h55
